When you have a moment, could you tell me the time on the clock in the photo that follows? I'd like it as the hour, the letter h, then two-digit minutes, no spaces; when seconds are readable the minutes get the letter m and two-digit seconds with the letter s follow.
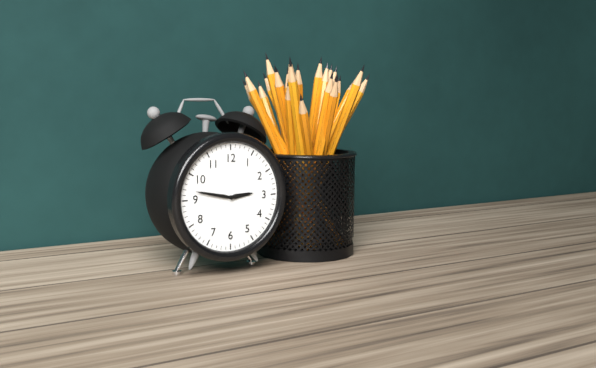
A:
2h47
